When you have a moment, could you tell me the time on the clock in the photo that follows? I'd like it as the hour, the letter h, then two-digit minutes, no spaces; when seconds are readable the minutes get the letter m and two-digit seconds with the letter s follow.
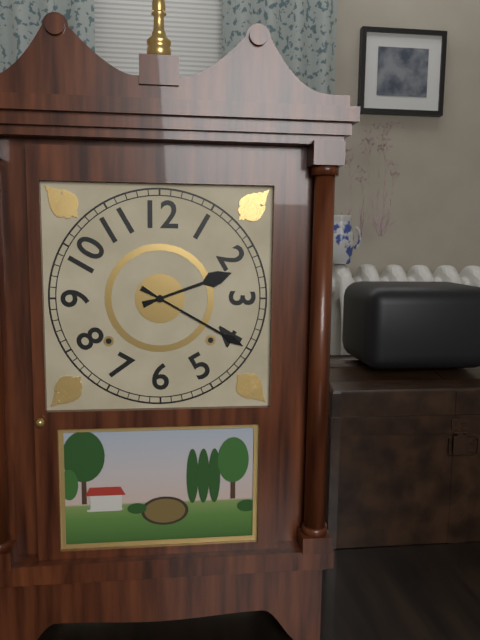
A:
2h20
